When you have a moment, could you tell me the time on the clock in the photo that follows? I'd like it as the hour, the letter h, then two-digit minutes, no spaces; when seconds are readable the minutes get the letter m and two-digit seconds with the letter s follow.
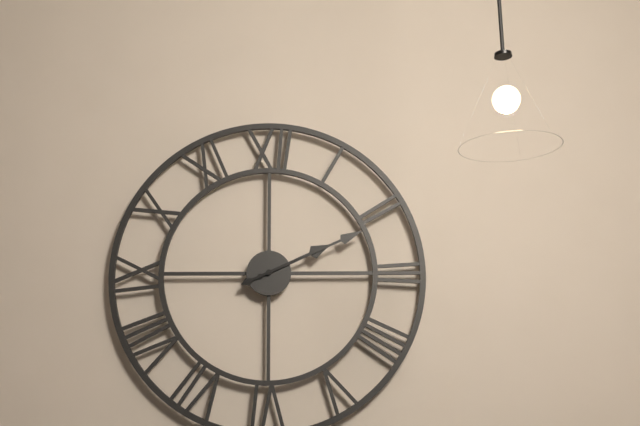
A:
2h11
